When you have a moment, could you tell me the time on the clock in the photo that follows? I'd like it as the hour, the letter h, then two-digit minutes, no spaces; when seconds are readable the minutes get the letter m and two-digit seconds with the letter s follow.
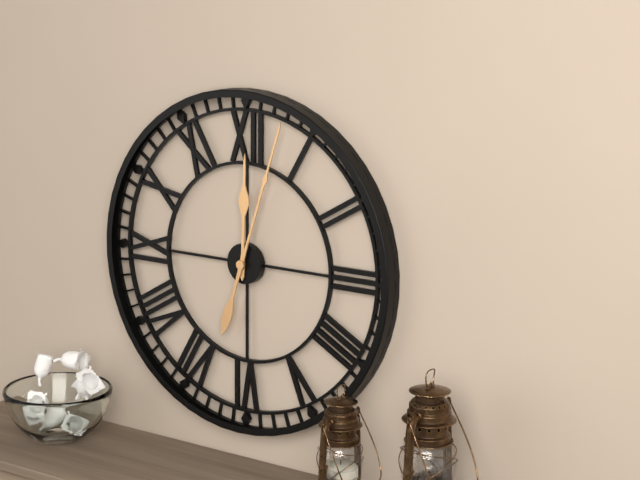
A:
12h03
